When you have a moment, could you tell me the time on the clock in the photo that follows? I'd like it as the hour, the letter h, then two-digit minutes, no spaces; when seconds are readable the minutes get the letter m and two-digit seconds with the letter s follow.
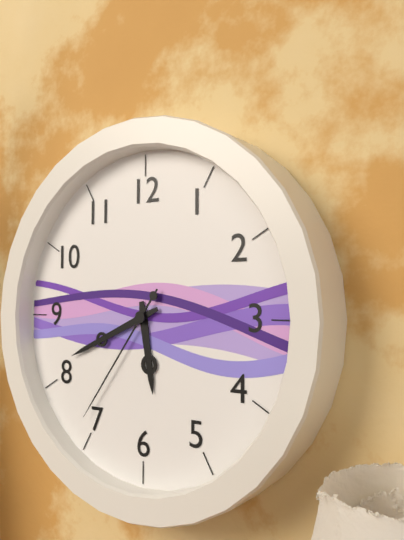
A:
5h41m36s
